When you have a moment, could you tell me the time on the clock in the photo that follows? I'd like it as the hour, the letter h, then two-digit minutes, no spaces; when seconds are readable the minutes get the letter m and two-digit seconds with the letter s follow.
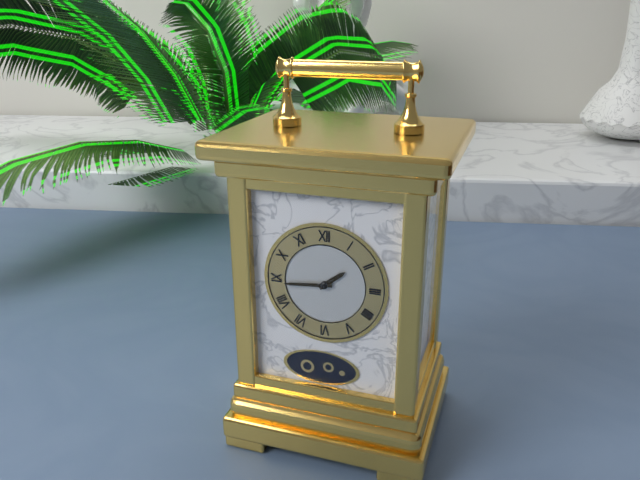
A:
1h44
